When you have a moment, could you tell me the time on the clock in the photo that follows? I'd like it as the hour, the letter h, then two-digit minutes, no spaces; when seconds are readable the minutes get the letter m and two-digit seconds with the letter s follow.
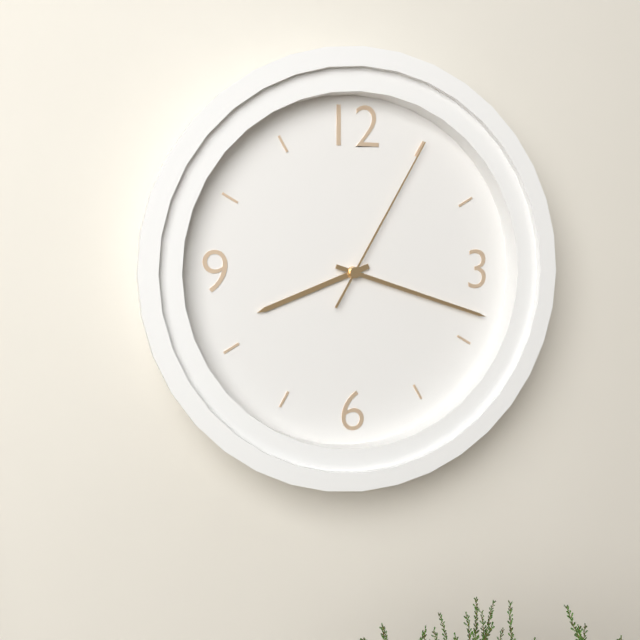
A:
8h18m05s
